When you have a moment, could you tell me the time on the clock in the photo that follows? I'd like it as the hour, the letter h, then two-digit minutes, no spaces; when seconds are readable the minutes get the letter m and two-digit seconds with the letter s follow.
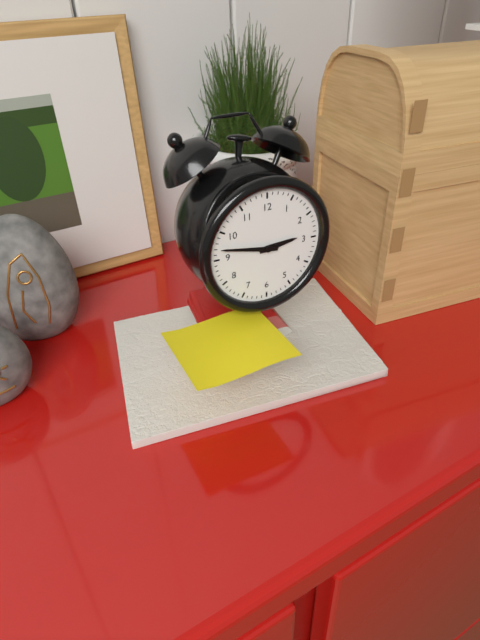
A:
2h47
